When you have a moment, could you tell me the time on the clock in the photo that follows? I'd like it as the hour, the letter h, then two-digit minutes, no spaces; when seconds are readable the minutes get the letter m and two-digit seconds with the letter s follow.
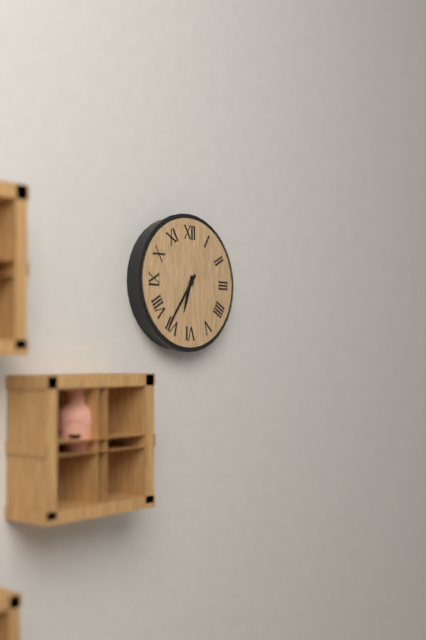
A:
6h36
